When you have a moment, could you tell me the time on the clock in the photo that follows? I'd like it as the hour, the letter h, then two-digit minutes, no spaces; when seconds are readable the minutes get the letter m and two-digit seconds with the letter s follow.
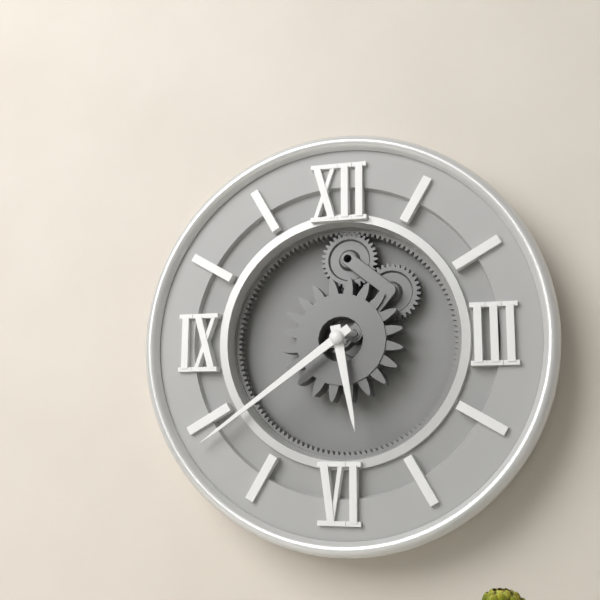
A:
5h39
